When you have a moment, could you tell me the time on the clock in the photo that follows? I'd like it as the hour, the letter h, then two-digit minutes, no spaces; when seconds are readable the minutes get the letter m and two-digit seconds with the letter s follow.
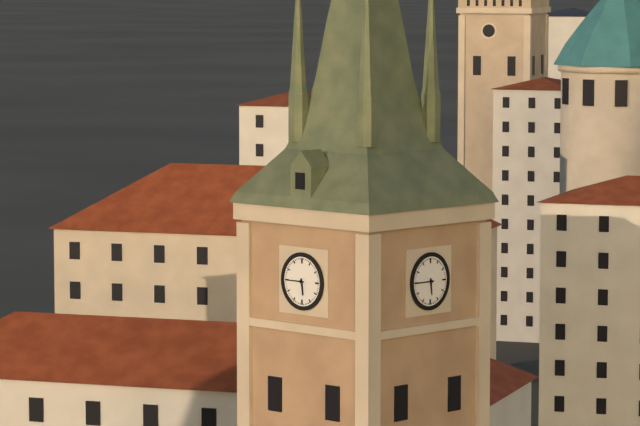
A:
5h45
